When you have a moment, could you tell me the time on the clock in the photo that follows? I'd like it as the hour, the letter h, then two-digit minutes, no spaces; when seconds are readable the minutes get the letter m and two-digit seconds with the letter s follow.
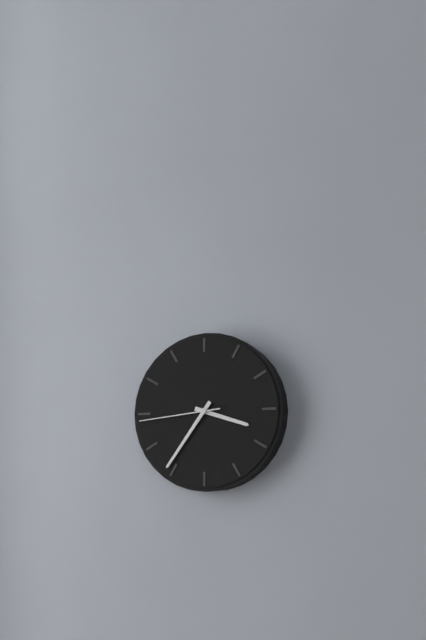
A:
3h36m44s
